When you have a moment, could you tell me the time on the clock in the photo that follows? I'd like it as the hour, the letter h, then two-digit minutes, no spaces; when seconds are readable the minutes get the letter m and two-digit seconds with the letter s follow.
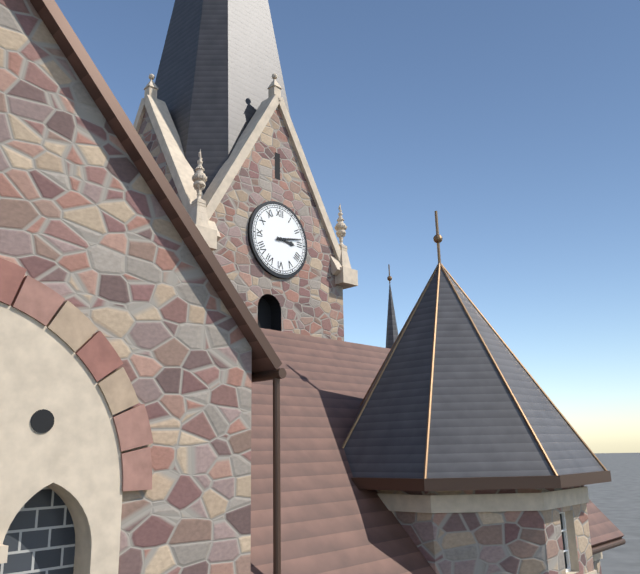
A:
3h13
